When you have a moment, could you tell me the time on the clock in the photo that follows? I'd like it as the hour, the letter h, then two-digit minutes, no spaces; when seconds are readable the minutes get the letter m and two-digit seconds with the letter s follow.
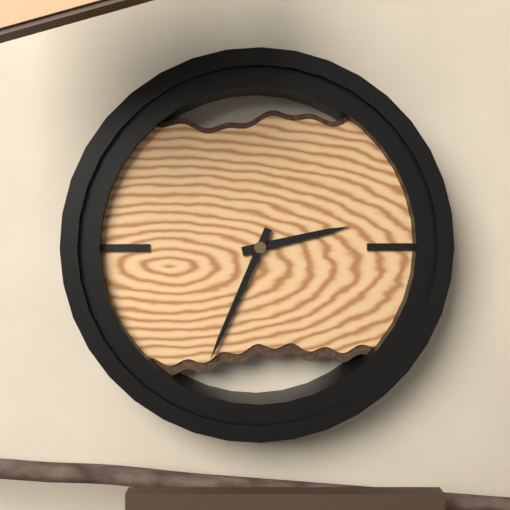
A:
2h34
